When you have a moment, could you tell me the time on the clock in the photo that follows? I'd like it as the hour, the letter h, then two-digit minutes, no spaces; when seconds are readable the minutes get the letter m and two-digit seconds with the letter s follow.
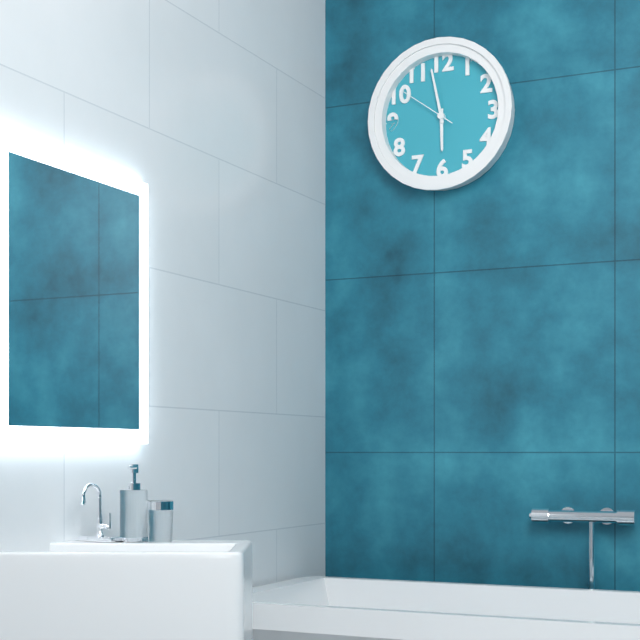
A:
5h58m51s
